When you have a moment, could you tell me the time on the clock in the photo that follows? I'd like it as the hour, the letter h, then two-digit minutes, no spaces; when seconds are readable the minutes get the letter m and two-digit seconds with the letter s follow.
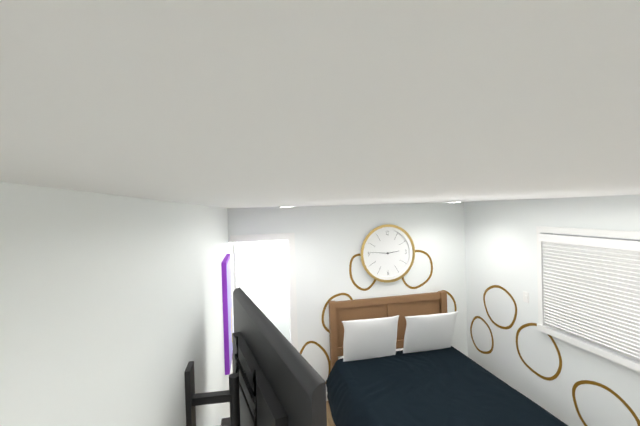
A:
2h46
